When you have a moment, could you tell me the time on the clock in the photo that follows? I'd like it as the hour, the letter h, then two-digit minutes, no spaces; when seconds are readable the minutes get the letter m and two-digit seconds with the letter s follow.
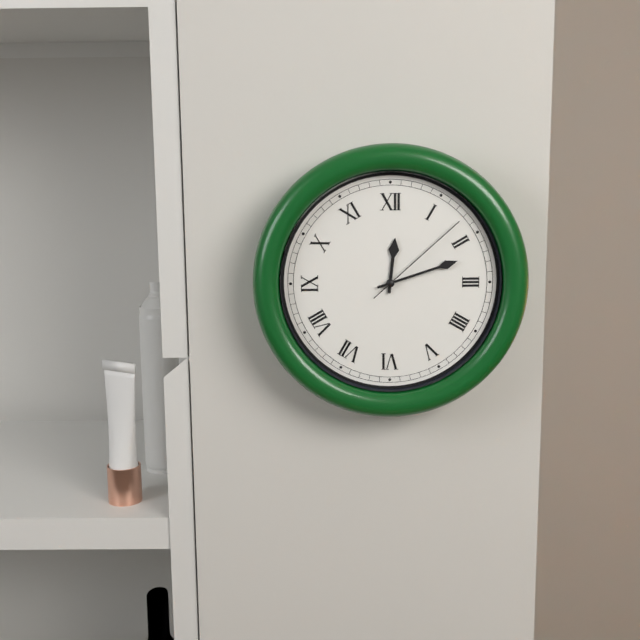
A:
12h12m08s
